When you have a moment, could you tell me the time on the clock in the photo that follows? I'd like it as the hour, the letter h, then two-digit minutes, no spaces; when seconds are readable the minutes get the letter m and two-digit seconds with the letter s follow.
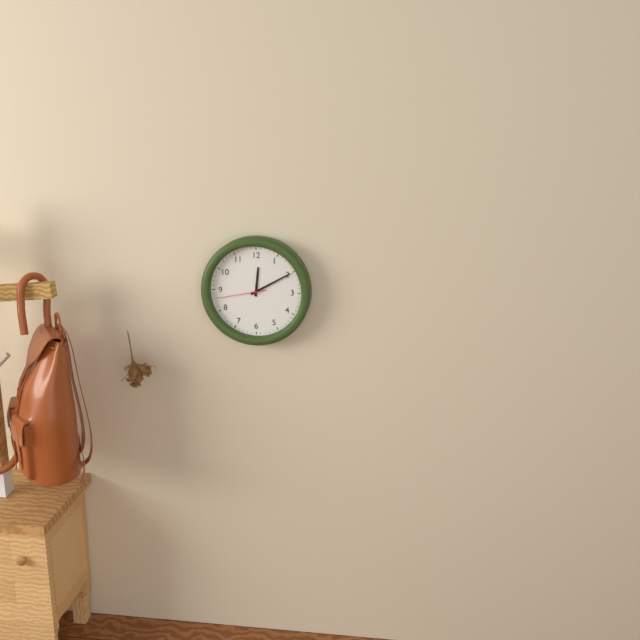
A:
12h10
